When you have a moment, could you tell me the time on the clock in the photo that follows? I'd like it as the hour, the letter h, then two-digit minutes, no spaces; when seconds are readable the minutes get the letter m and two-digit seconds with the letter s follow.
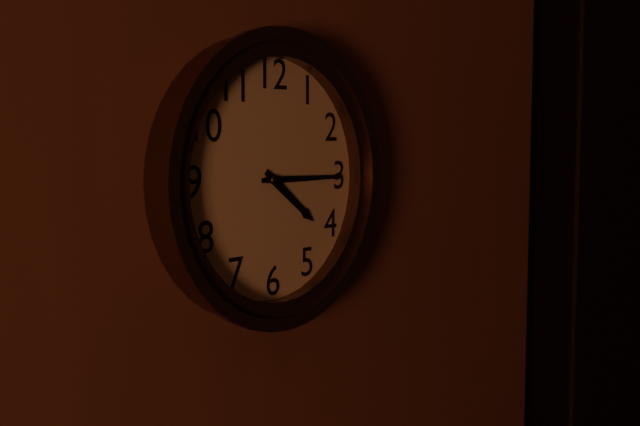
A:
4h15
